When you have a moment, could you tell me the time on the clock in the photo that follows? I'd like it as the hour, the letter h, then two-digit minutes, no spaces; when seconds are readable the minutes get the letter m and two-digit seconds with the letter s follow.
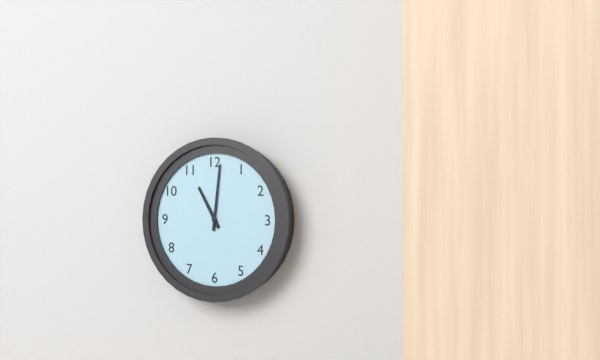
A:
11h01
